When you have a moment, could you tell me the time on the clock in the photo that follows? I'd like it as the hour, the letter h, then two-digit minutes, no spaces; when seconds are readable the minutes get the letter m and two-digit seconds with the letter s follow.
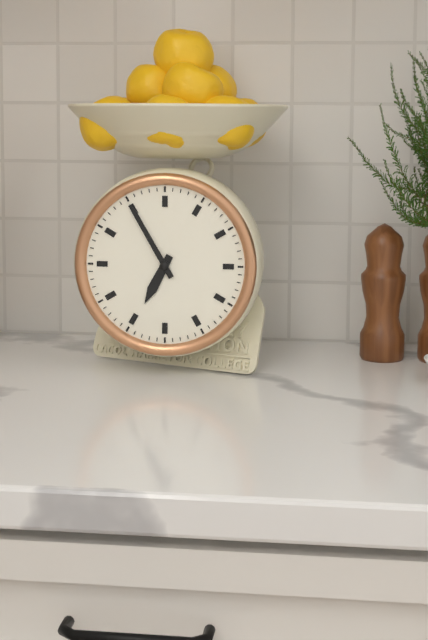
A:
6h55
